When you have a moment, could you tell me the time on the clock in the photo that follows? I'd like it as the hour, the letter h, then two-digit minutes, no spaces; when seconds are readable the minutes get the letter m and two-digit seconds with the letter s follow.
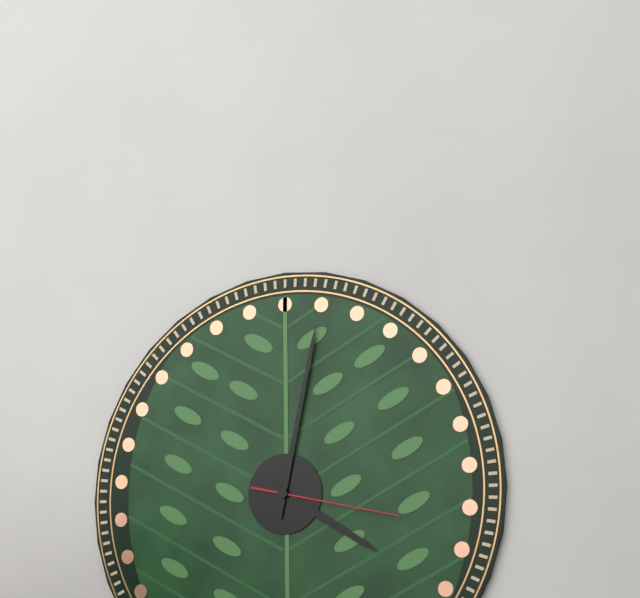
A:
4h02m17s
